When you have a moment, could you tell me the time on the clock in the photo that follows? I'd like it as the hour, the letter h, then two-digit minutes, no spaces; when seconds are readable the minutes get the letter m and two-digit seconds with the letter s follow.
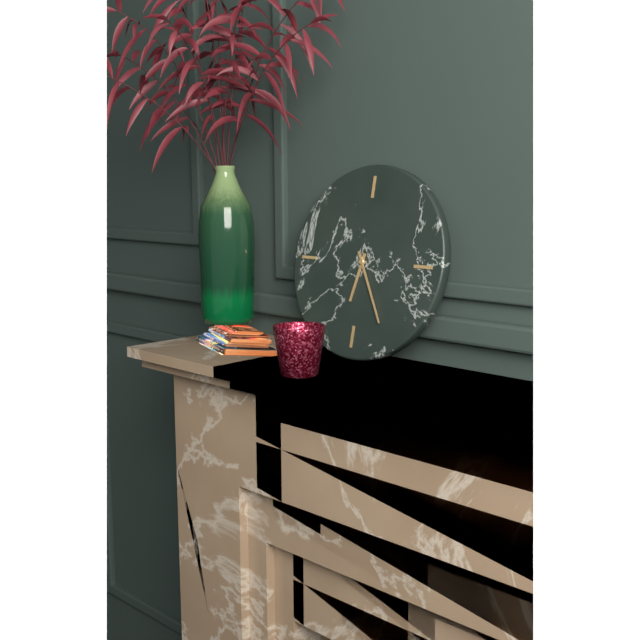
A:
6h25
